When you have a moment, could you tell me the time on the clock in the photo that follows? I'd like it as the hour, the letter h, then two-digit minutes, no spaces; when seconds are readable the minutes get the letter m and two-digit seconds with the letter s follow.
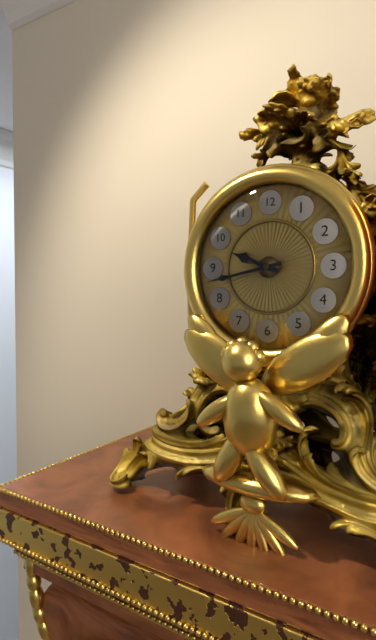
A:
9h43
